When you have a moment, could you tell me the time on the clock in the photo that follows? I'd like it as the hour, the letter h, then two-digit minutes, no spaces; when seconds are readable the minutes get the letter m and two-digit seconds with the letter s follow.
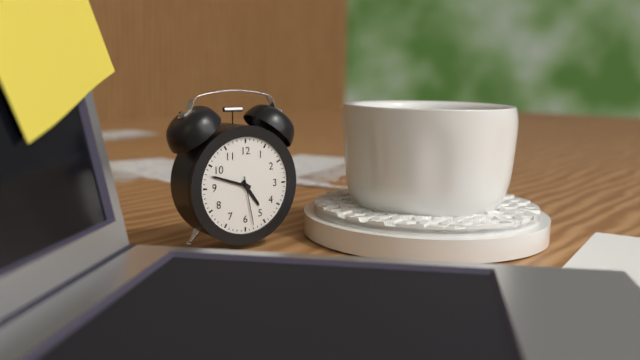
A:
4h48m28s
